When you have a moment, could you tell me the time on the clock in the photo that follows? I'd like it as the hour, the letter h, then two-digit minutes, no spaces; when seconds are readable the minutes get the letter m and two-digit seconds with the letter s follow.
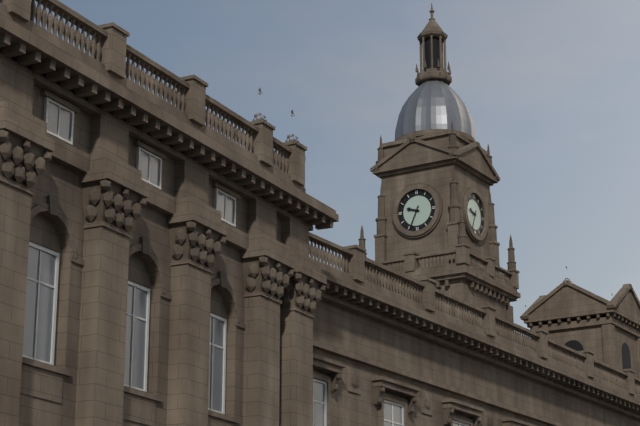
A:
9h34
